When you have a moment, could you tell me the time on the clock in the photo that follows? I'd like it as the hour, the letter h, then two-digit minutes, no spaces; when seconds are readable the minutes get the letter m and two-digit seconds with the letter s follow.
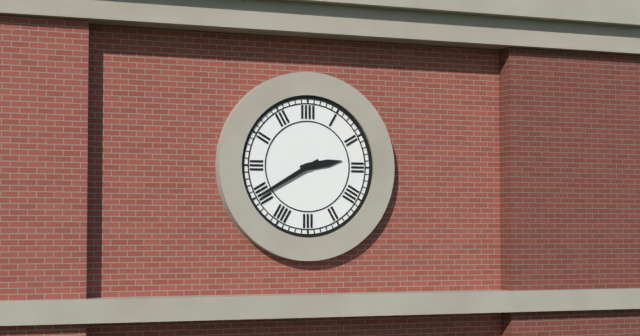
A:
2h40
